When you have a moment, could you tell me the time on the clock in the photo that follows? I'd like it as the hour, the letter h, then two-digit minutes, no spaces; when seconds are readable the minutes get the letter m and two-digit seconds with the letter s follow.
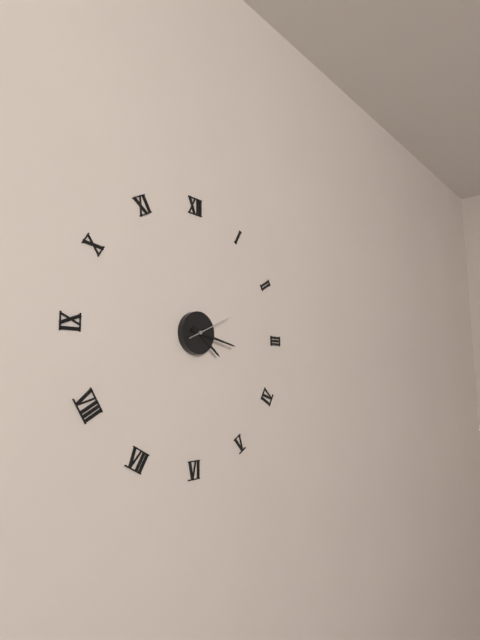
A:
4h17
